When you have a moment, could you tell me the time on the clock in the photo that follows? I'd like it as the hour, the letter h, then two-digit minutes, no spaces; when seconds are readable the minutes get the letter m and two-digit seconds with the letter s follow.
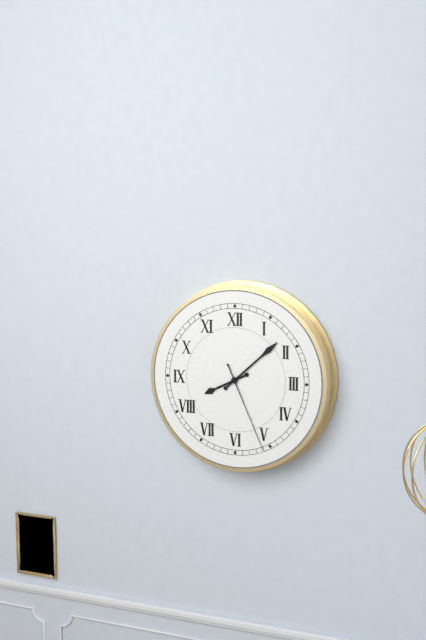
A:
8h08m26s
